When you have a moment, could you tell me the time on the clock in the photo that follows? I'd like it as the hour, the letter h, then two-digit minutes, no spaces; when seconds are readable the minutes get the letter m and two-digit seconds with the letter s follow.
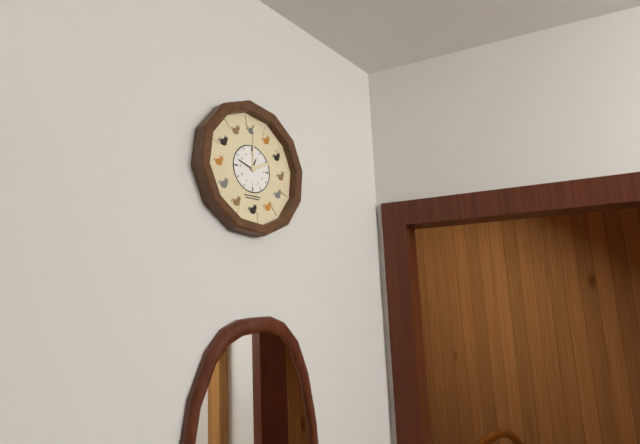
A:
12h48
